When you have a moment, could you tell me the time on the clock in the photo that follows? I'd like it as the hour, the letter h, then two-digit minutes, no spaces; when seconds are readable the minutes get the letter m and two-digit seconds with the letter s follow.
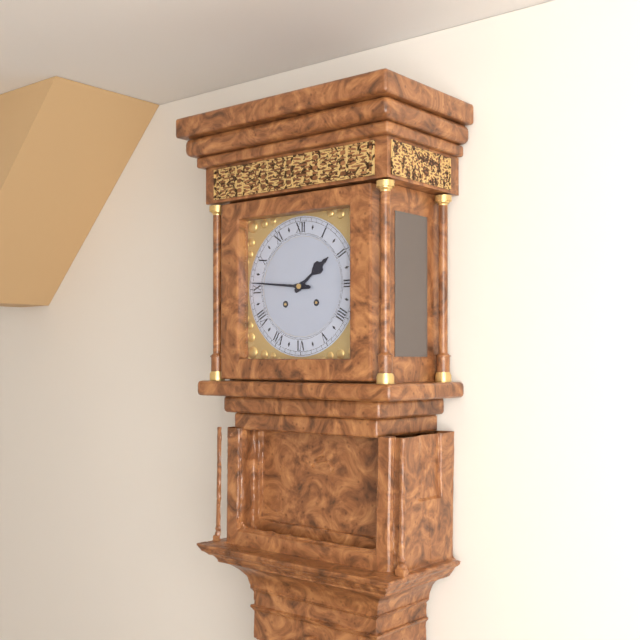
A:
1h46
